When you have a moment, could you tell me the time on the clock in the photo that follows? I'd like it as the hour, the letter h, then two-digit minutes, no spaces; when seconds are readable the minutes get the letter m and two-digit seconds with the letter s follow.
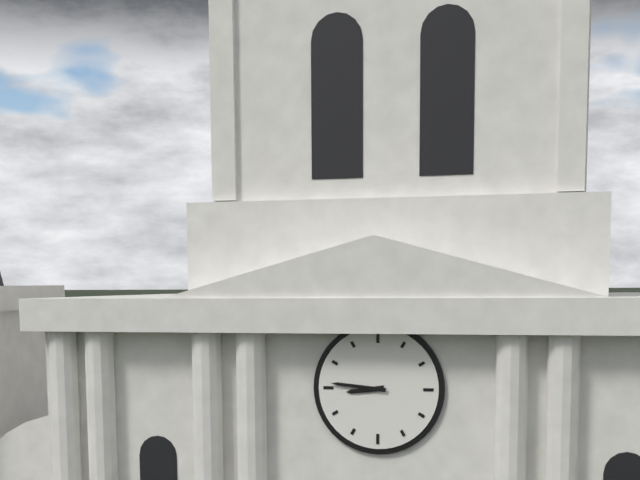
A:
8h46
